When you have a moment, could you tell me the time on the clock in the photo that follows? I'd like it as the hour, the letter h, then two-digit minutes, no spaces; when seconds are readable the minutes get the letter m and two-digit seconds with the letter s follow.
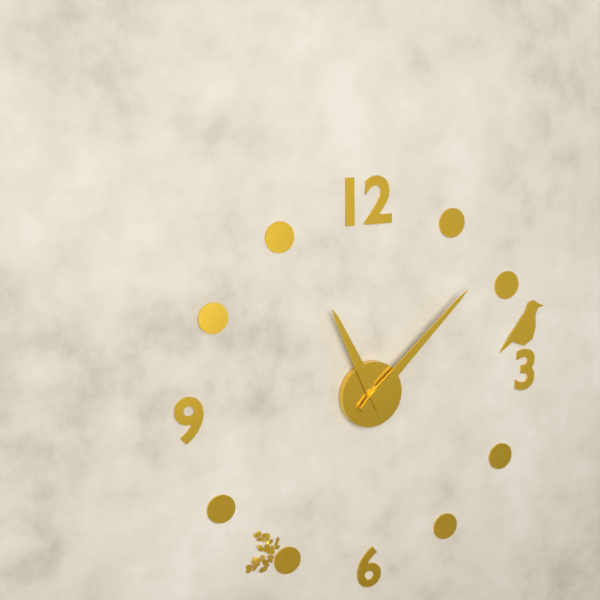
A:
11h08
